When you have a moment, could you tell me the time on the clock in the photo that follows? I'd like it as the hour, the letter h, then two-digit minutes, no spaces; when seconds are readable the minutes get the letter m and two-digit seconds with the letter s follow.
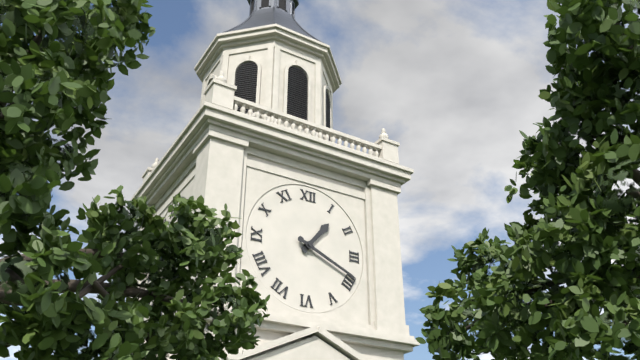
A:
1h19
